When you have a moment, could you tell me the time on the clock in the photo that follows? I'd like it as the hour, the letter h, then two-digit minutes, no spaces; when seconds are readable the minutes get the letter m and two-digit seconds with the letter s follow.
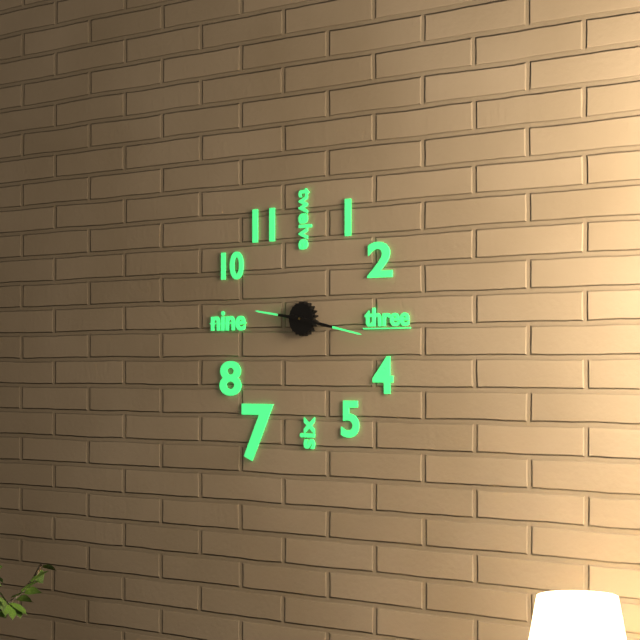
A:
9h17
